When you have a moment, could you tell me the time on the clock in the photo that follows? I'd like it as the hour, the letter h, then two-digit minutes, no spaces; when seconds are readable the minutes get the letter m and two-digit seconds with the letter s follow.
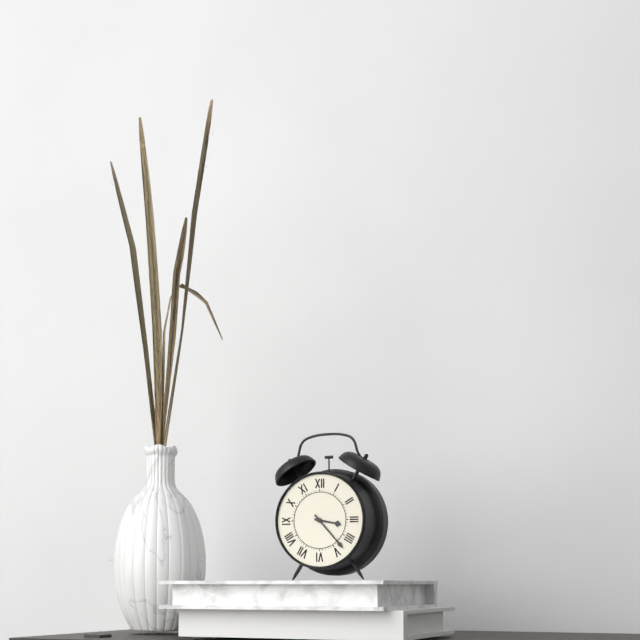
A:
3h23
